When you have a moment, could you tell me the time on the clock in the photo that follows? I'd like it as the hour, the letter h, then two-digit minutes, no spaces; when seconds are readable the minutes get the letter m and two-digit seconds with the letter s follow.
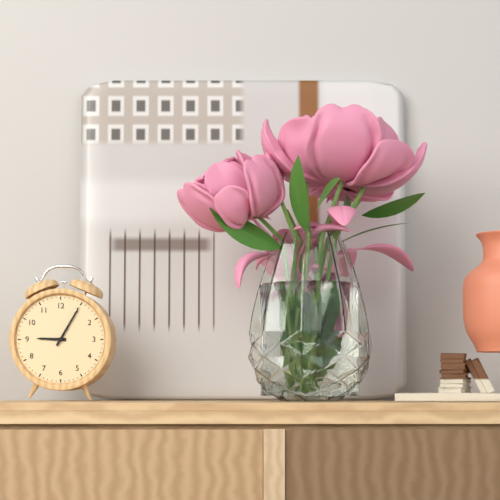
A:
9h05
